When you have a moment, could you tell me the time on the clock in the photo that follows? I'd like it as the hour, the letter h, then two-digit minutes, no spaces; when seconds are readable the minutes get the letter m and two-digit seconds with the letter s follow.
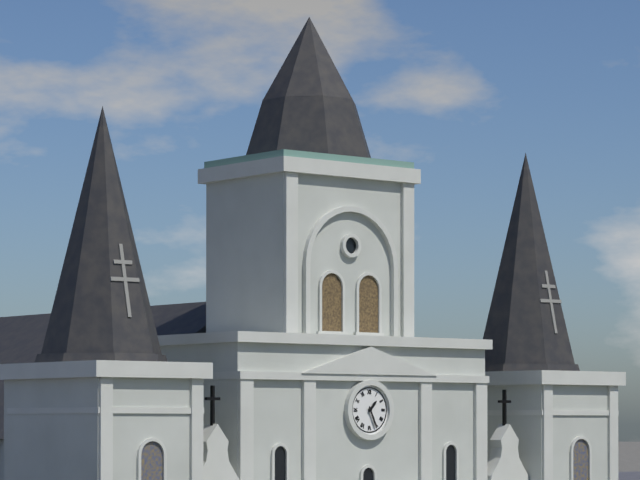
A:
1h26
